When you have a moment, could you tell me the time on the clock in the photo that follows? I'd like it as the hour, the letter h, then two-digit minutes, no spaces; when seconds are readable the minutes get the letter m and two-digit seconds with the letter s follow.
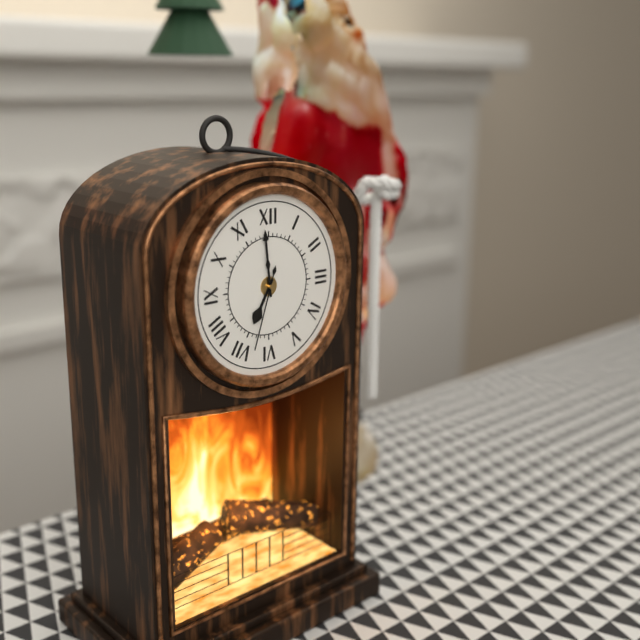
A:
6h59m33s
